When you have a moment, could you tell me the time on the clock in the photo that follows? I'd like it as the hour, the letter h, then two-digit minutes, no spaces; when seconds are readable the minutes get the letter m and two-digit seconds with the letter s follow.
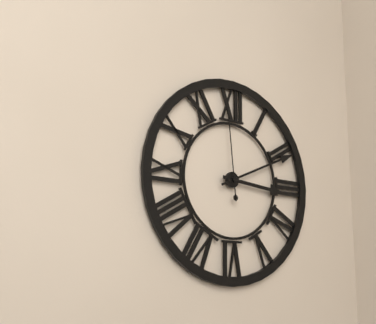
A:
3h11m59s
